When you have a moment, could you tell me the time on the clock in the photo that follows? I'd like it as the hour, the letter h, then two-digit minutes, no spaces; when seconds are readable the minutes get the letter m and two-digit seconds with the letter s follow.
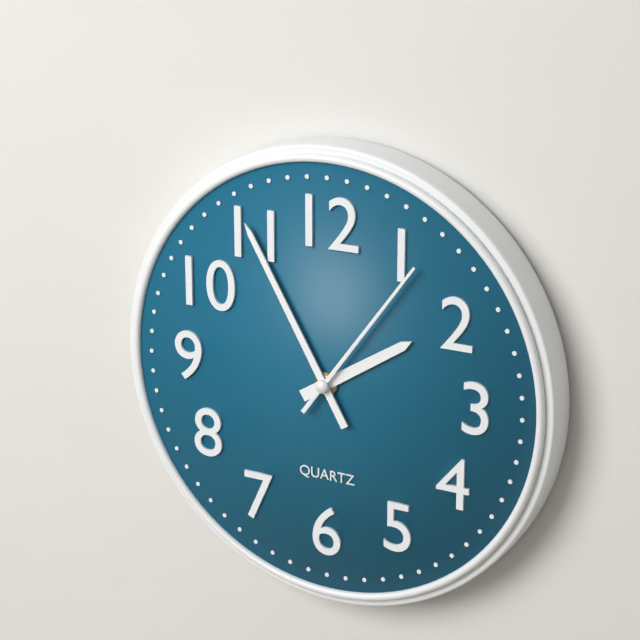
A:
1h55m06s
